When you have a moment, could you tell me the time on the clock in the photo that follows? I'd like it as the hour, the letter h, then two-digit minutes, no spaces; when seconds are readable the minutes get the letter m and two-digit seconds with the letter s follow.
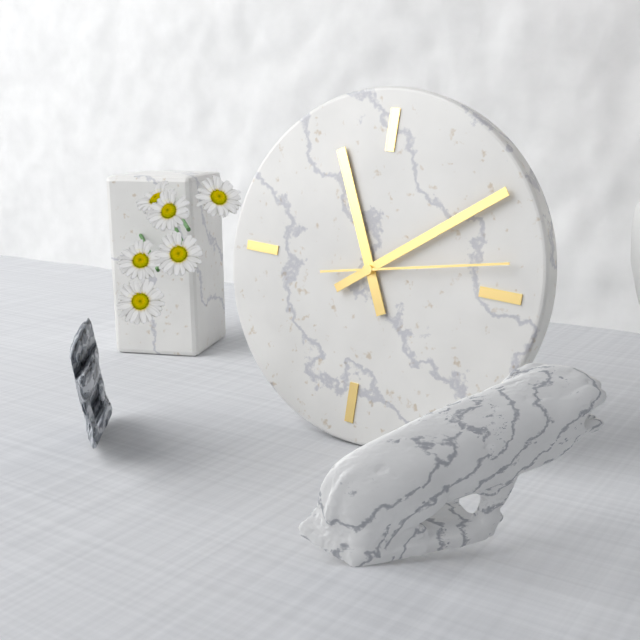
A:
11h09m13s
